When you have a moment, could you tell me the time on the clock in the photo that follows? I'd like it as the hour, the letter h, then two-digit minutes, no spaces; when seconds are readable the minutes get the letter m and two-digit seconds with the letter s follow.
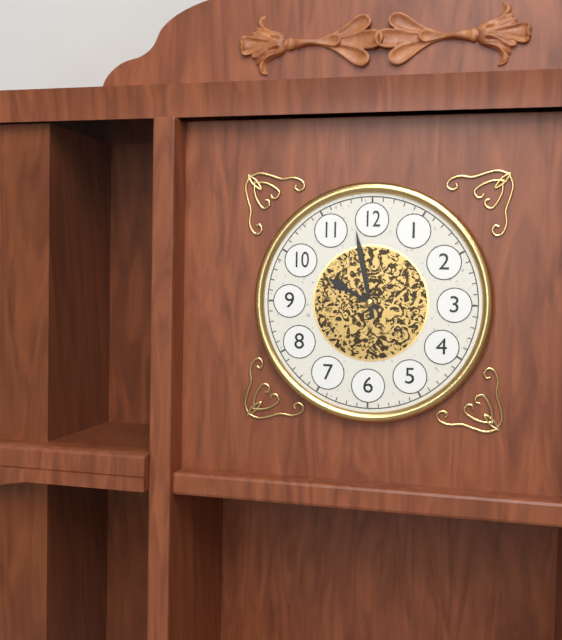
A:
9h58
